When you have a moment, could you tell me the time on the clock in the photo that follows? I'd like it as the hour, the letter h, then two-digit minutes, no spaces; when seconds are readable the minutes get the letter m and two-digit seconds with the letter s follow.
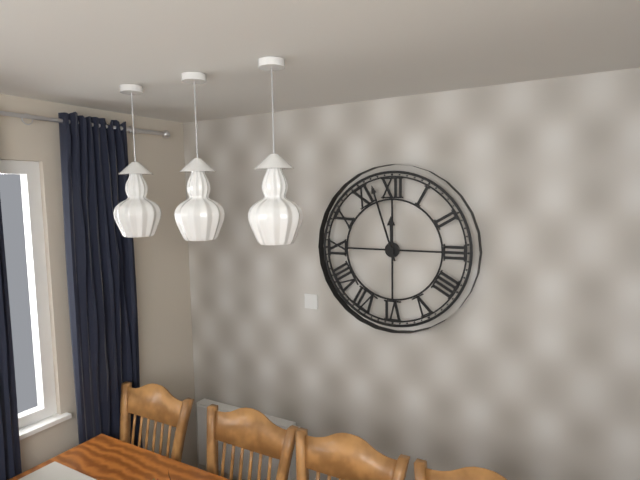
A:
11h57
